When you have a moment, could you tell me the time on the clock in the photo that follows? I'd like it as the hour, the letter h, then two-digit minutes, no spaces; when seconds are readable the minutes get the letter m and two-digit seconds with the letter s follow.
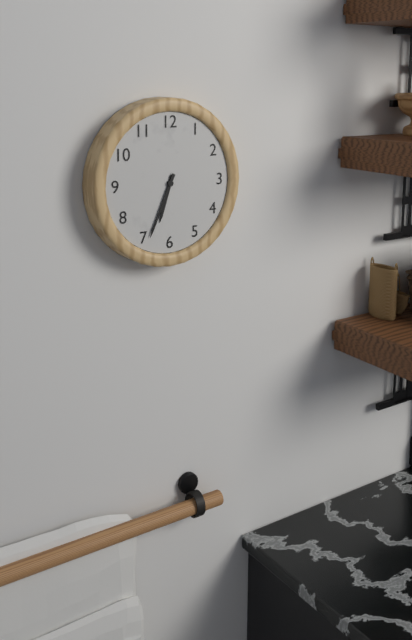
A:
6h34
